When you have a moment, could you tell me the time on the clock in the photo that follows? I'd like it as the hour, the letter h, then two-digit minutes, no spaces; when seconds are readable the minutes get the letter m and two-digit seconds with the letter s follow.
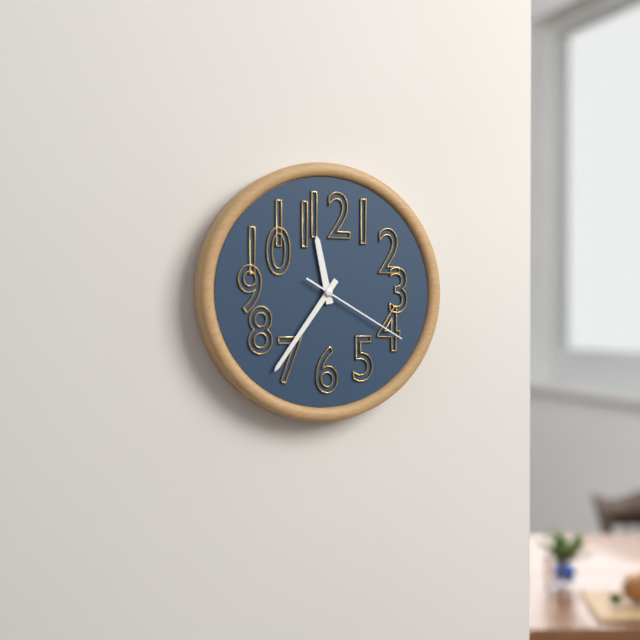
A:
11h36m20s
